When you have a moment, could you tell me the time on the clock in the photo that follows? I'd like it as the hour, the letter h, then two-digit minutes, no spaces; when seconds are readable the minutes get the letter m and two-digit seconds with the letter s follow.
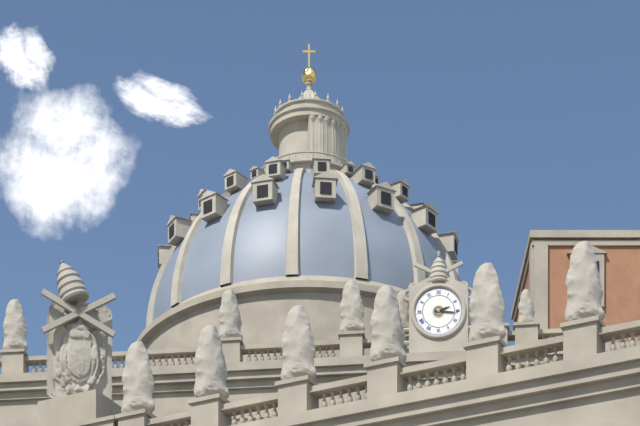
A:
2h16
